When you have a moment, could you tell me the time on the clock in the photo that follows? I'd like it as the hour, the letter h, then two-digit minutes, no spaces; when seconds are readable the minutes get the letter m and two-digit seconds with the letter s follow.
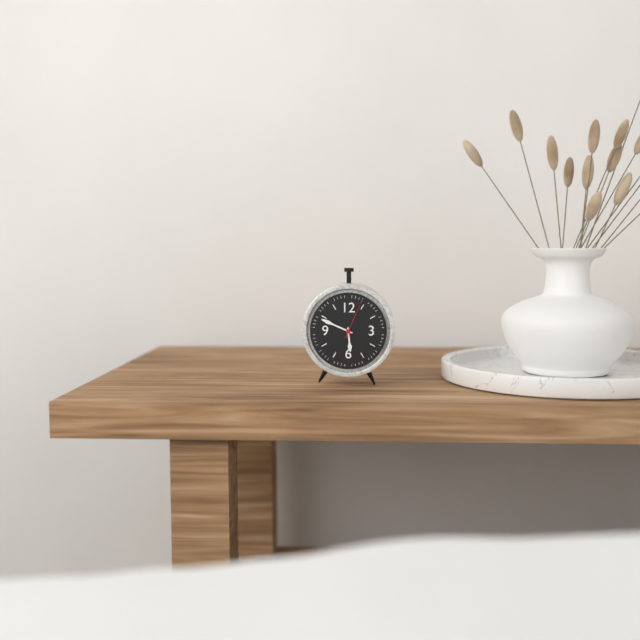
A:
5h49
